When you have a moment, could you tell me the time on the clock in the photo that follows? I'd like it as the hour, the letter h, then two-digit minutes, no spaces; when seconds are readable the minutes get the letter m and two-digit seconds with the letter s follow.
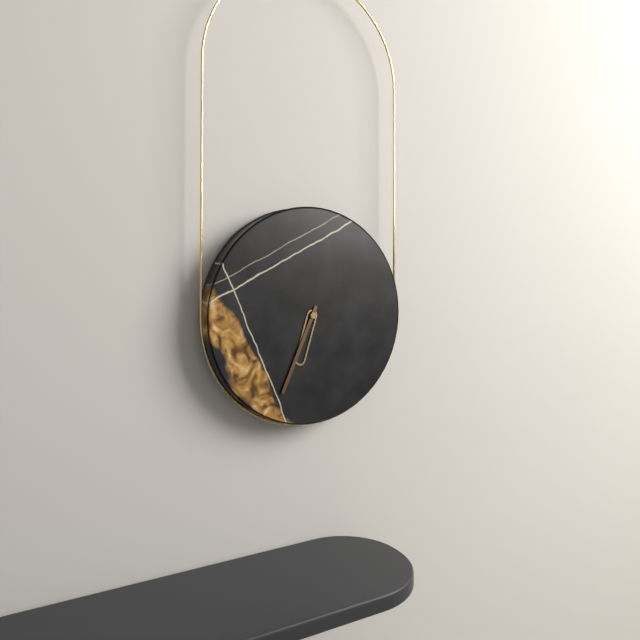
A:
6h34
